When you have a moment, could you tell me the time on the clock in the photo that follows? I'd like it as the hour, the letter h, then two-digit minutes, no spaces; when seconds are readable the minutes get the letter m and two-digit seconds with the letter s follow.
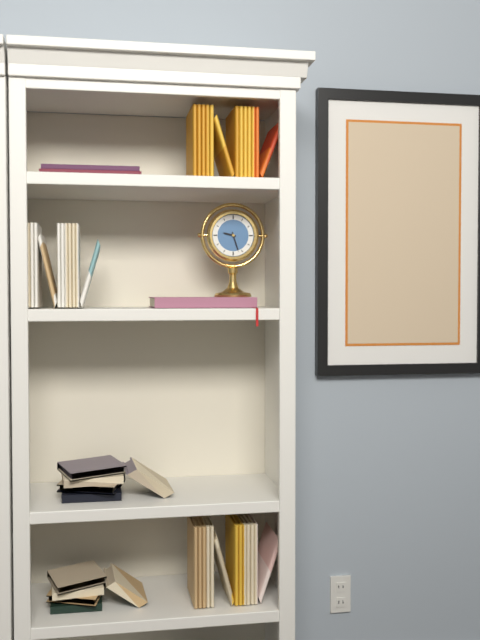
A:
9h27
